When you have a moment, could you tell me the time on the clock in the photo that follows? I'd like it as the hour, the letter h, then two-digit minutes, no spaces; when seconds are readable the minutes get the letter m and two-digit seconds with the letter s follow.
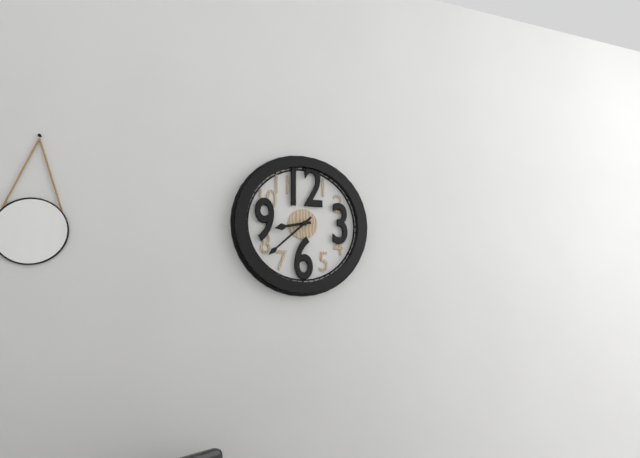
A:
8h38
